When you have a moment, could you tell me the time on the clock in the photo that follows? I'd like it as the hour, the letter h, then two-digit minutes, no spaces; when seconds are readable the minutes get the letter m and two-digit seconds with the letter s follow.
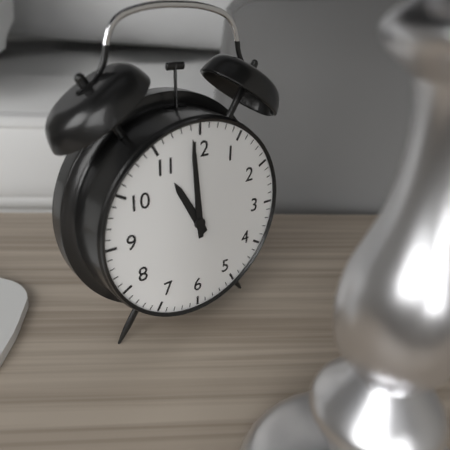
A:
10h59
